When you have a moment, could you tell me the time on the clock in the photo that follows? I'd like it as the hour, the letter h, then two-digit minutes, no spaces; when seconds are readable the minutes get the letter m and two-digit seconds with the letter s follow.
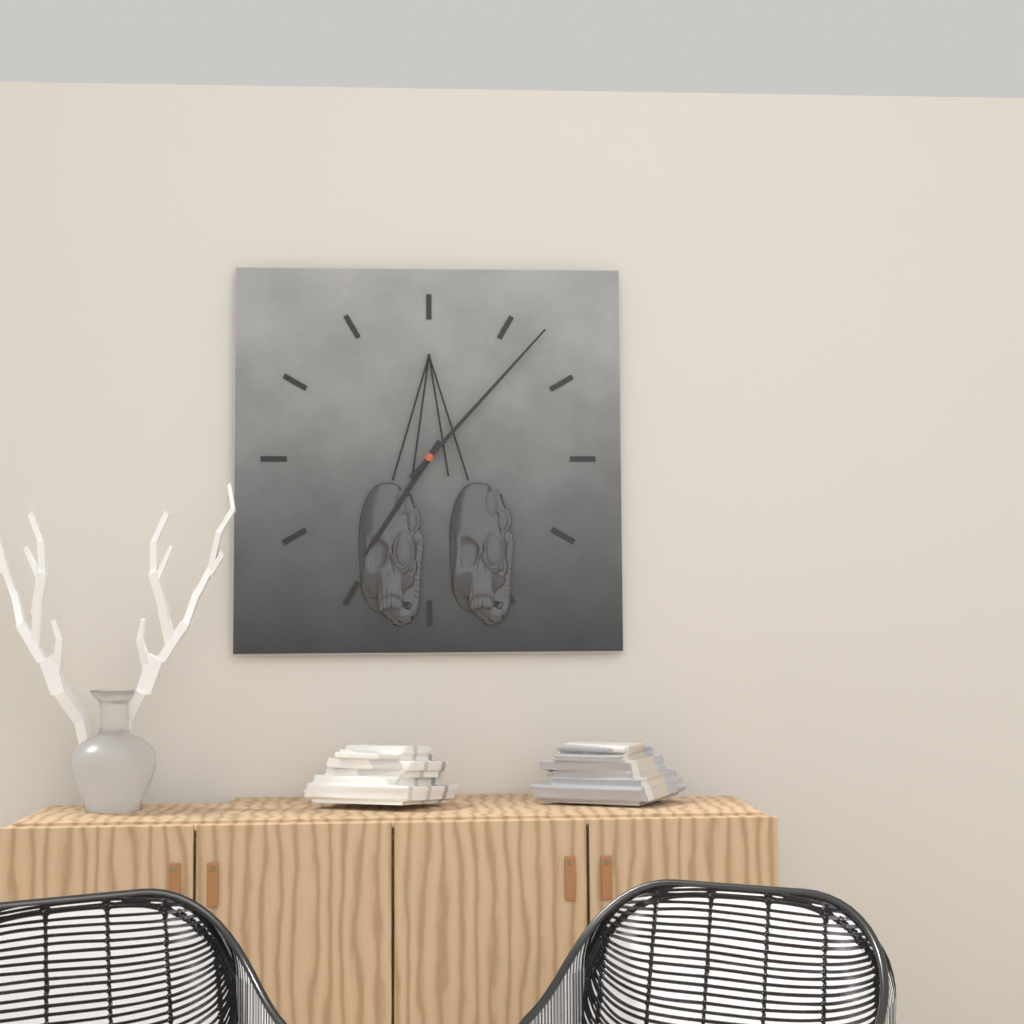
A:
7h07
